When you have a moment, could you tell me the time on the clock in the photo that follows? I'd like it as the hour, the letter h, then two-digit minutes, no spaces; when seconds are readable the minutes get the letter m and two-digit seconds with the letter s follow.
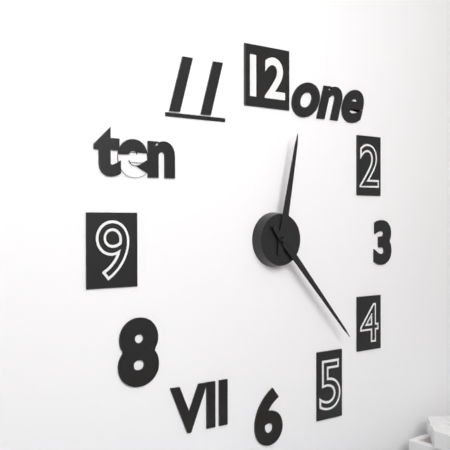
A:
12h23
